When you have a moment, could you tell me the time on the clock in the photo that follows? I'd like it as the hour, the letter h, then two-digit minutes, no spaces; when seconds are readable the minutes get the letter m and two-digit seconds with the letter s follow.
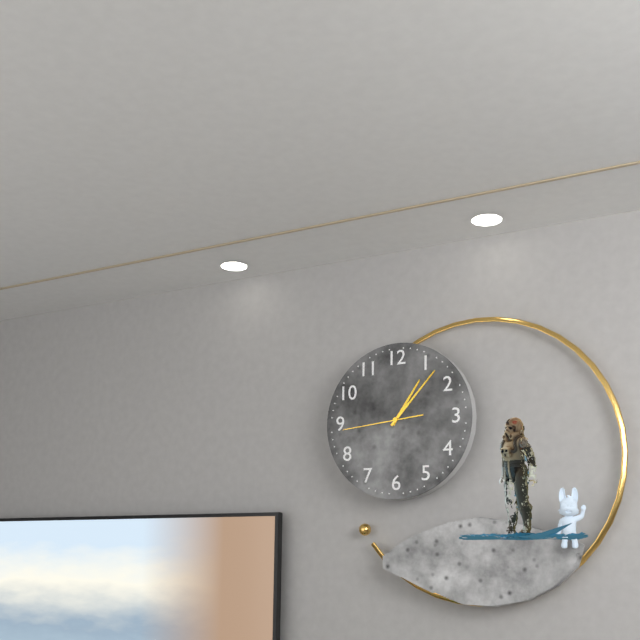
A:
1h07m44s
